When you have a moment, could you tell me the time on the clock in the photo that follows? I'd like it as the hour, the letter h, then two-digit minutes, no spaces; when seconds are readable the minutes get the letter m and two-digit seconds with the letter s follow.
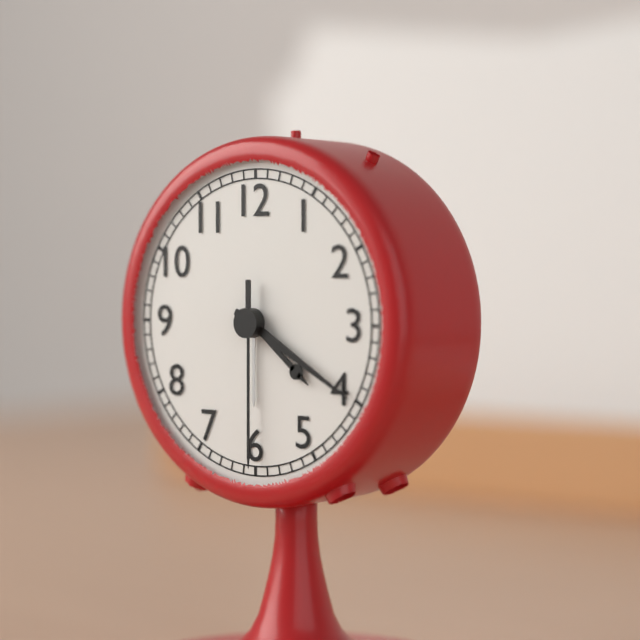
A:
4h20m30s
